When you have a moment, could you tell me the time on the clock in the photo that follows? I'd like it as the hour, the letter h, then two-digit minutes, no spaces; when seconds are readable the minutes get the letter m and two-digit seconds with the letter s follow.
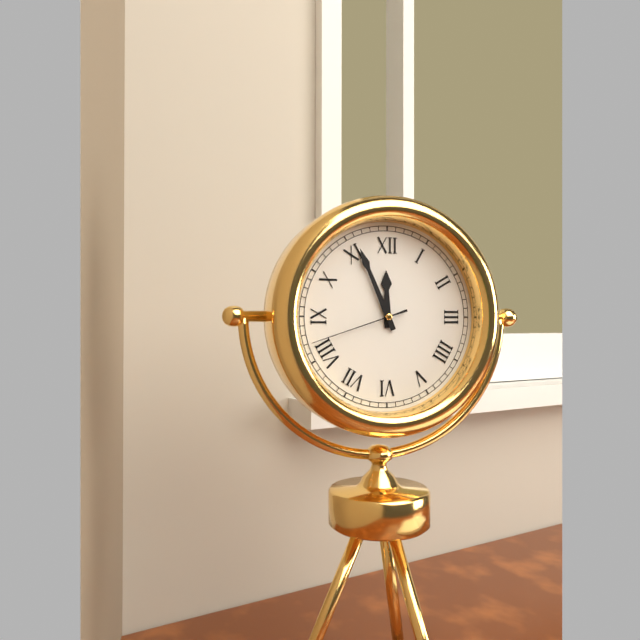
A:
11h56m42s
